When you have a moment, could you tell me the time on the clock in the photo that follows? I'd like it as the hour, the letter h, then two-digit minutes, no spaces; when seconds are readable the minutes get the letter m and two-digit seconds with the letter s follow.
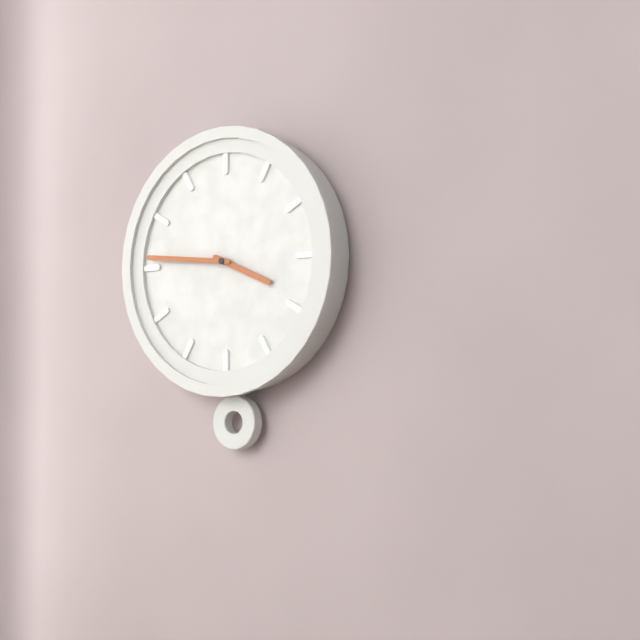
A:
3h46
